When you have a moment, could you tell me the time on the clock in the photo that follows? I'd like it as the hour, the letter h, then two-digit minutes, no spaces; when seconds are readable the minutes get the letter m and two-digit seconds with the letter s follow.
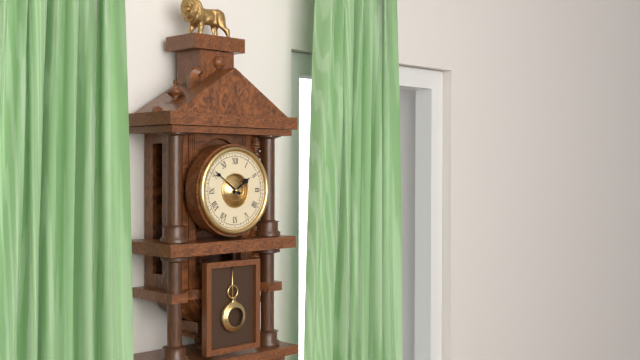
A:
1h51
